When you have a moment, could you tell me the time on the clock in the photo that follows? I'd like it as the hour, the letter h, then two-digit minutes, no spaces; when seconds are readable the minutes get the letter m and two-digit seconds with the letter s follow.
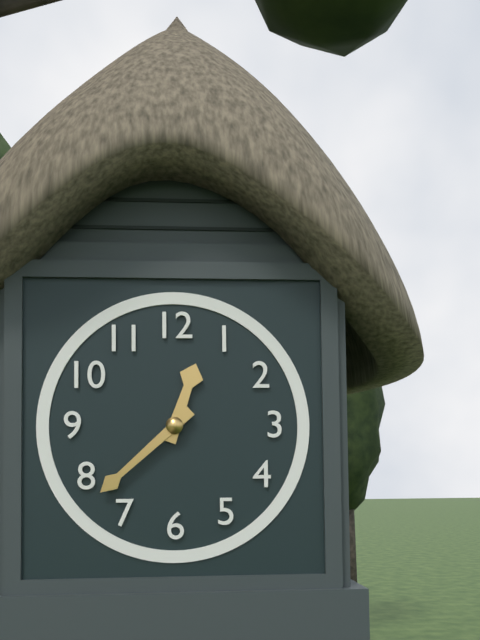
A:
12h38
